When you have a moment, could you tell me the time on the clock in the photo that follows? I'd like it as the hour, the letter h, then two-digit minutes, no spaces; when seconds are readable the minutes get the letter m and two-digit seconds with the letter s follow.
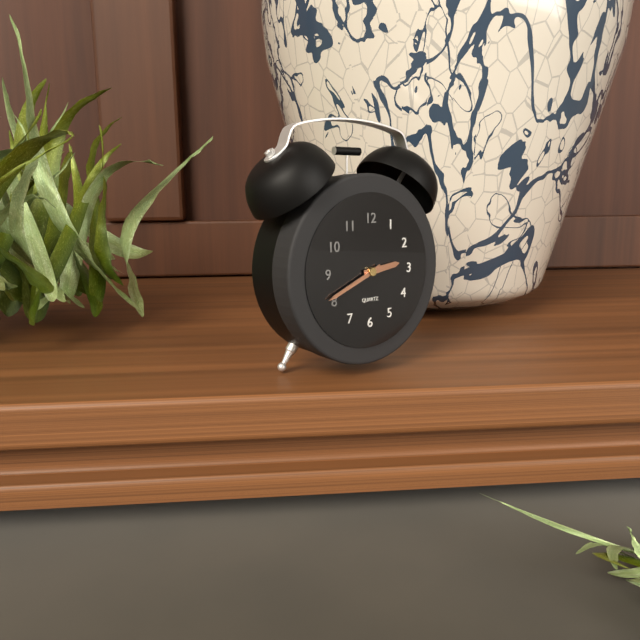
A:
2h41
